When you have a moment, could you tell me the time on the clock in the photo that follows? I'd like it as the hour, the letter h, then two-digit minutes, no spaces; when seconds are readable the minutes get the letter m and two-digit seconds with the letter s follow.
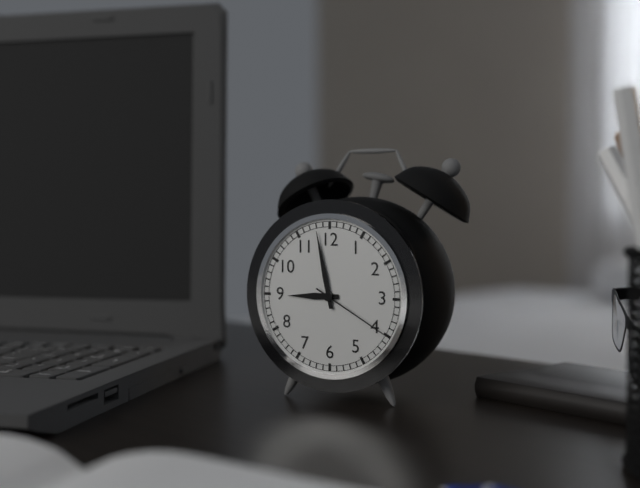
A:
8h58m20s
